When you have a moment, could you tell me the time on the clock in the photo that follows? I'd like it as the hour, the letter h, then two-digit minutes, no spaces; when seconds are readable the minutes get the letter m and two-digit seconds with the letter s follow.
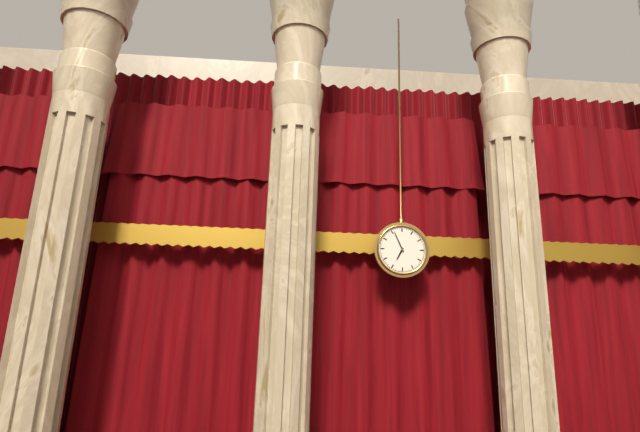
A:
6h56
